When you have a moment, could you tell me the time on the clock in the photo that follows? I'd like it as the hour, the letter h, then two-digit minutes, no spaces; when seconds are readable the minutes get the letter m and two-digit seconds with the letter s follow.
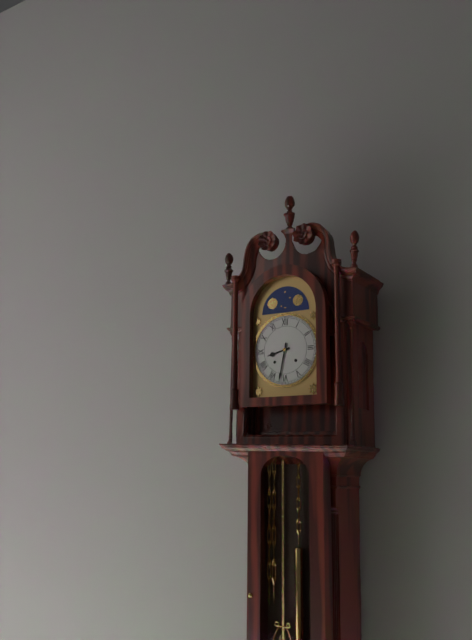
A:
8h32
